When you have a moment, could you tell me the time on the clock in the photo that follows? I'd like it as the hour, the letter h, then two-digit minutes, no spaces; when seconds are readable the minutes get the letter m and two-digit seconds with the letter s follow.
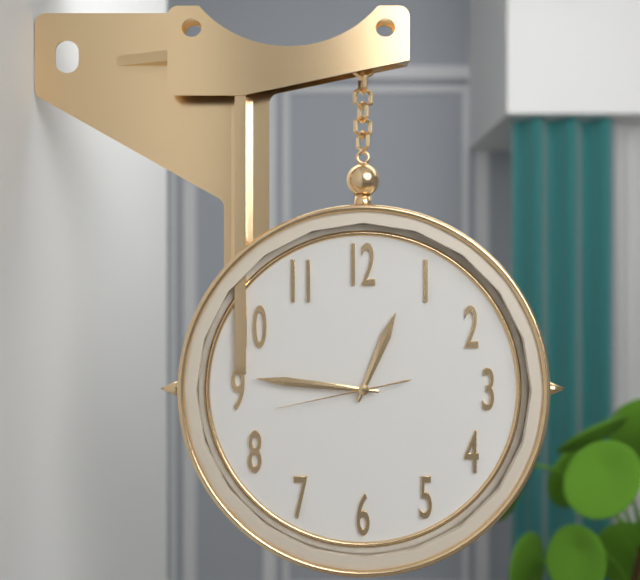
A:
12h46m43s
